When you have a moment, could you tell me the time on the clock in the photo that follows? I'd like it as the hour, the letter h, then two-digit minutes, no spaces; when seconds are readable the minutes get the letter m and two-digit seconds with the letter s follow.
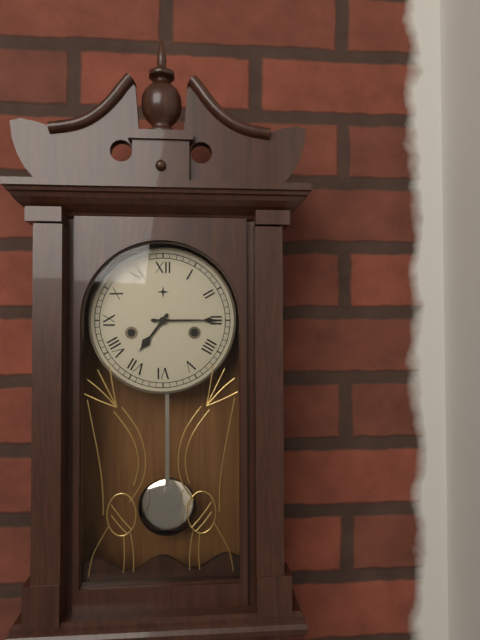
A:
7h15
